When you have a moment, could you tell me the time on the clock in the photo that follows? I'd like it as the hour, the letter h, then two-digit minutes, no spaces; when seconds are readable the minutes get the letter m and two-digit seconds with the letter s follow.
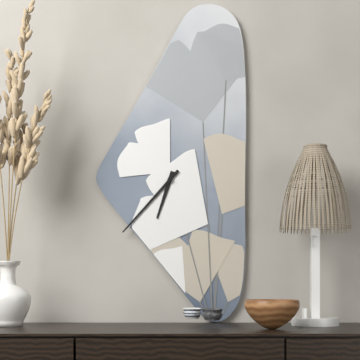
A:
6h37
